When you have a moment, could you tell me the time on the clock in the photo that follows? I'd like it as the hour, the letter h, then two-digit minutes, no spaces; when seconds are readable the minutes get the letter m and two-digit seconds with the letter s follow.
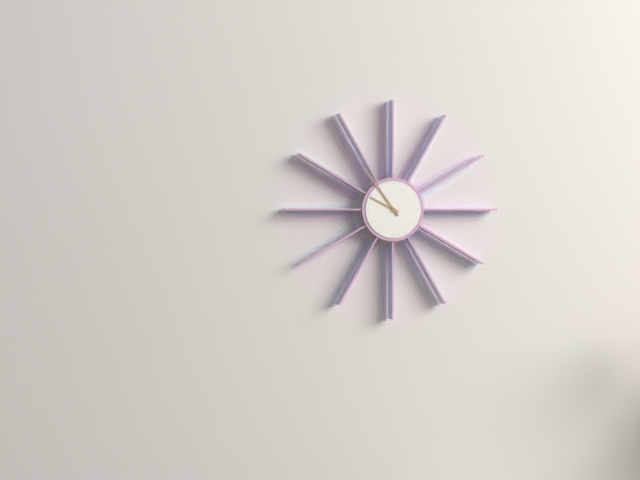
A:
9h54
